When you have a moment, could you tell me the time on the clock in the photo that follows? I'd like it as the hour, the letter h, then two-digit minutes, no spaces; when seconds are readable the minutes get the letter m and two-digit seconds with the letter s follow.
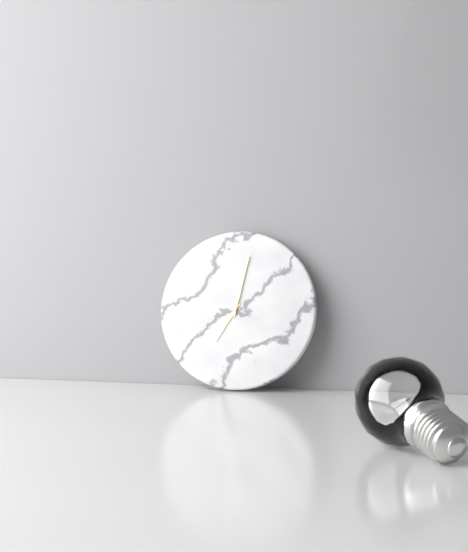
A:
7h02
